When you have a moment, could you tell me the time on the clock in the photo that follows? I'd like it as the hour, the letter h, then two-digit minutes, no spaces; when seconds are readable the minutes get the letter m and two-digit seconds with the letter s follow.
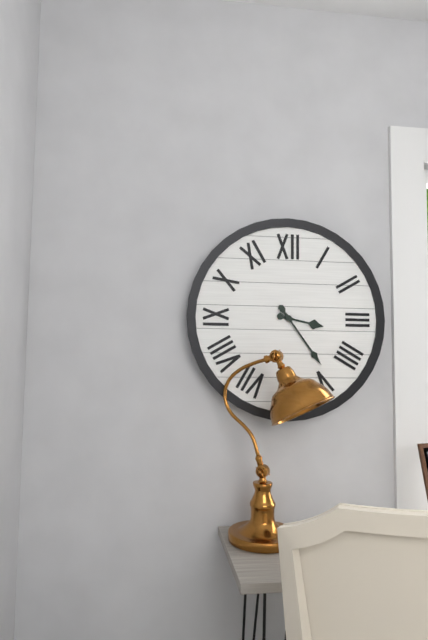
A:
3h24
